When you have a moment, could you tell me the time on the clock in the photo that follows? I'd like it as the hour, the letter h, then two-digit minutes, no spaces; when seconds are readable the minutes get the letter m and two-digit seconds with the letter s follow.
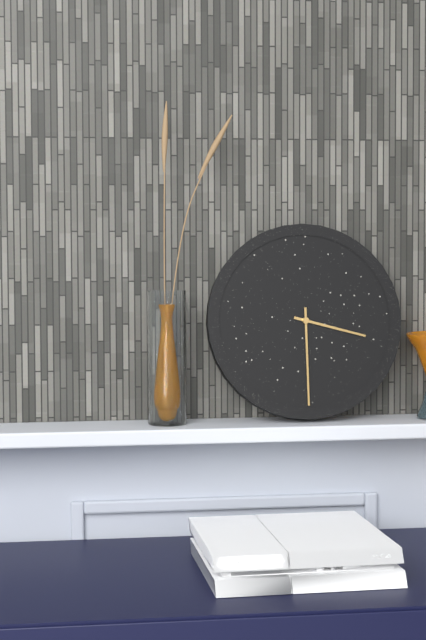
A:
3h30
